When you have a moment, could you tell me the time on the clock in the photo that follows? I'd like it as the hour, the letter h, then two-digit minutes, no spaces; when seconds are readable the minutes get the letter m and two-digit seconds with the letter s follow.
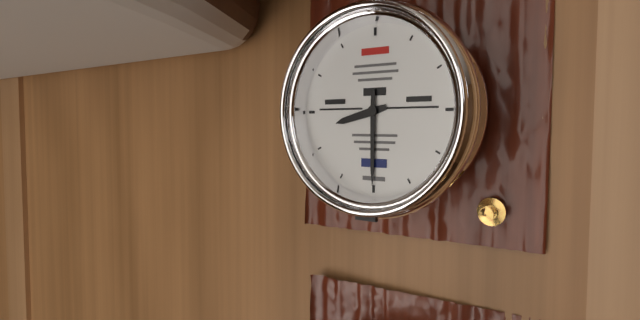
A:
8h30
